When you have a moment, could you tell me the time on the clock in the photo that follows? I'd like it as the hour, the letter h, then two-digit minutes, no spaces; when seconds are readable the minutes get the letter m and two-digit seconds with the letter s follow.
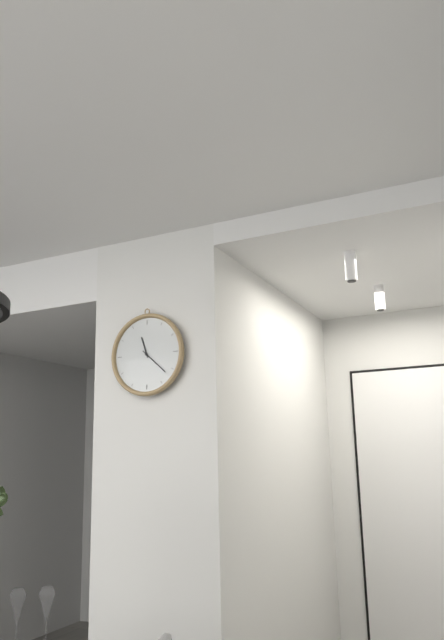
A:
11h22
